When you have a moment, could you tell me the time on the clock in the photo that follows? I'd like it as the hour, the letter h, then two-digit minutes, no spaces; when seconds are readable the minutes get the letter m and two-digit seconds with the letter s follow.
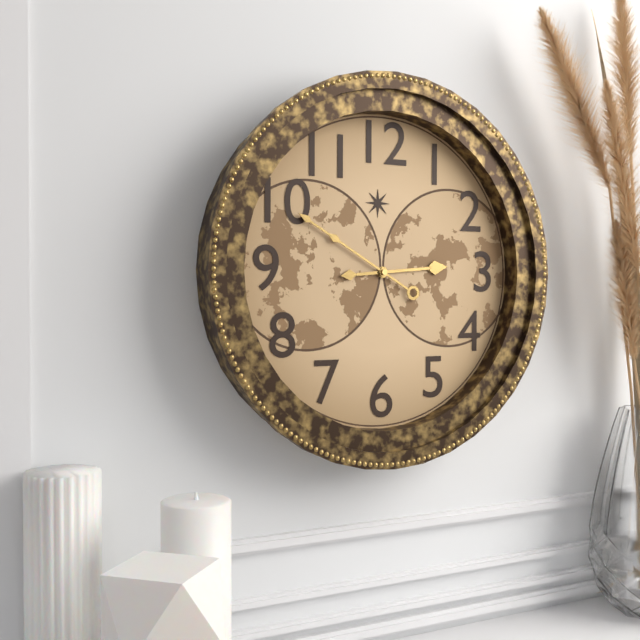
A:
2h50
